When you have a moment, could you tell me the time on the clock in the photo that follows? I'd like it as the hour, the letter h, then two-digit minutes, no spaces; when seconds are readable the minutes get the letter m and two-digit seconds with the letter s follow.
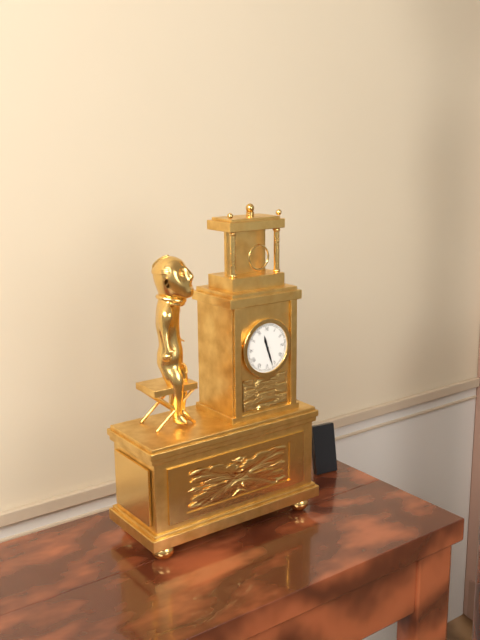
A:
11h27
